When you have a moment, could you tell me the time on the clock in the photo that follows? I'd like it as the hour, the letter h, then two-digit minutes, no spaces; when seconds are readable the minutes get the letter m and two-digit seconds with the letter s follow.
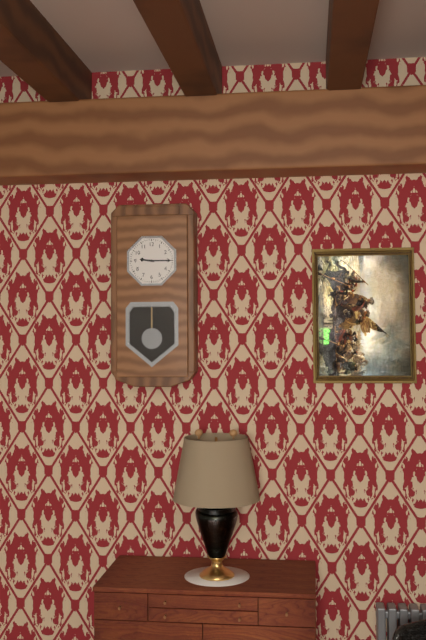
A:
9h15
